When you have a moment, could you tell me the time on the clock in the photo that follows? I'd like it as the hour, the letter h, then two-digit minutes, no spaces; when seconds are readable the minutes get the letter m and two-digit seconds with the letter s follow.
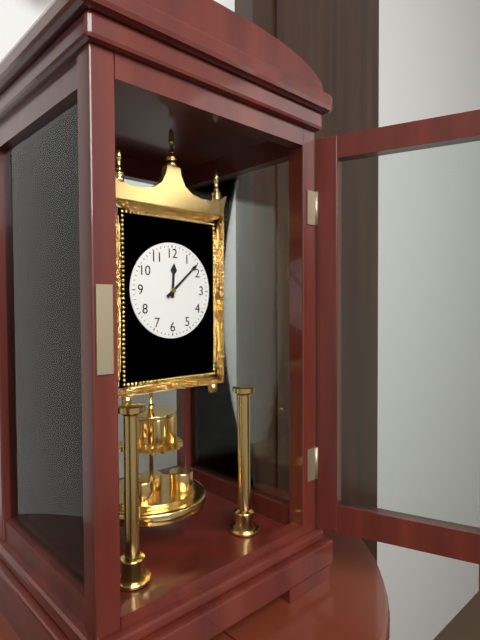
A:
12h08
